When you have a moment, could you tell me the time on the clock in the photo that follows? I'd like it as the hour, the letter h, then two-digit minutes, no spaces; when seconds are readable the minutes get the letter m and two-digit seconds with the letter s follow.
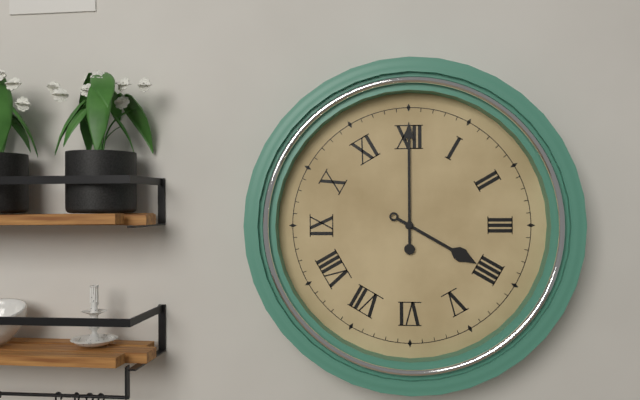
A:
4h00
